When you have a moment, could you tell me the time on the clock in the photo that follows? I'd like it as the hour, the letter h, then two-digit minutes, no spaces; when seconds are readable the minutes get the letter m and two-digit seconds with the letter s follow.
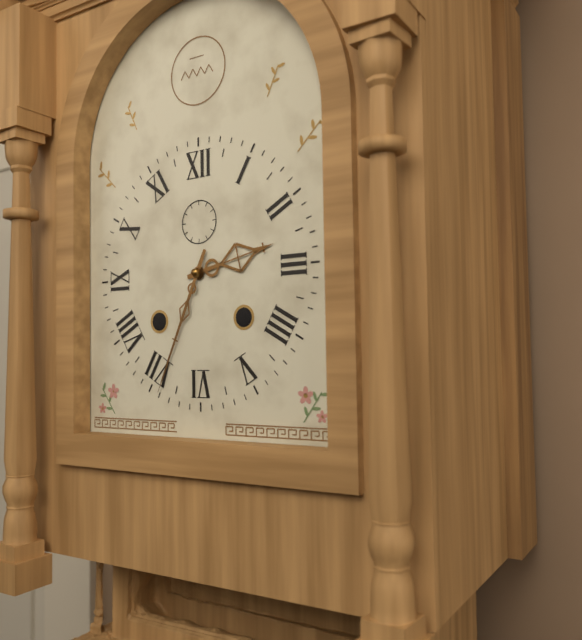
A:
2h34
